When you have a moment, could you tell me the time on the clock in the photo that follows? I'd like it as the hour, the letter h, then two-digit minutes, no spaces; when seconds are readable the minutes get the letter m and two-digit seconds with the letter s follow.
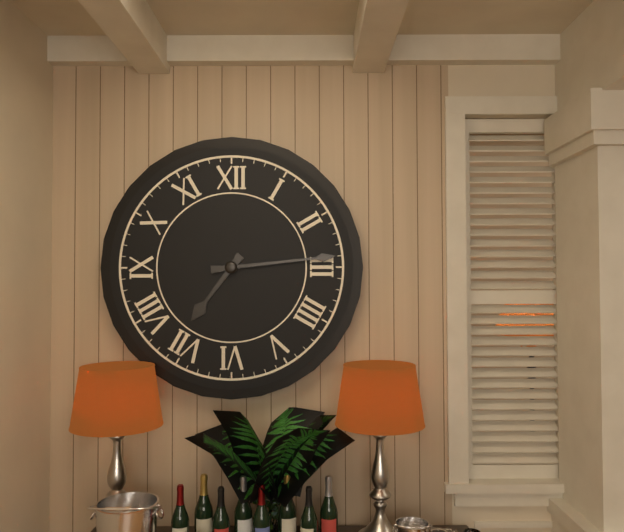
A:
7h14
